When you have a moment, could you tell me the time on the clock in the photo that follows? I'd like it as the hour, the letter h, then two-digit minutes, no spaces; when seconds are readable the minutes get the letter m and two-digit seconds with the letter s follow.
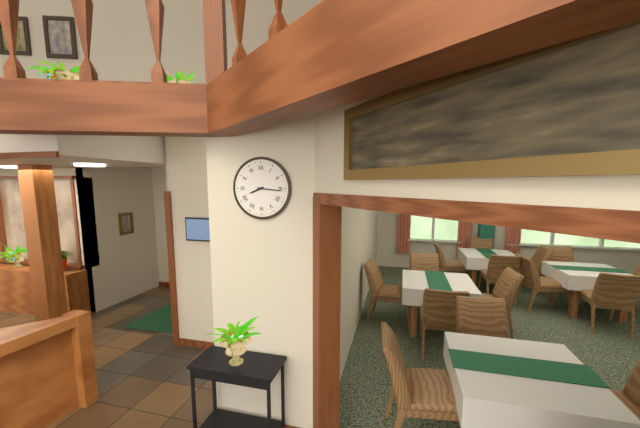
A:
8h16
